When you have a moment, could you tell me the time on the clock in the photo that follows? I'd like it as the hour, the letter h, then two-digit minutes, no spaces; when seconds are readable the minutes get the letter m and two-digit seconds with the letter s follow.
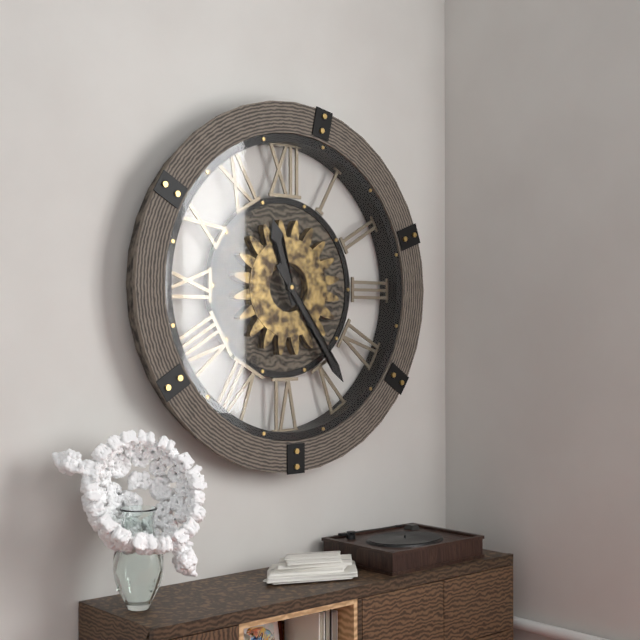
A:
11h24
